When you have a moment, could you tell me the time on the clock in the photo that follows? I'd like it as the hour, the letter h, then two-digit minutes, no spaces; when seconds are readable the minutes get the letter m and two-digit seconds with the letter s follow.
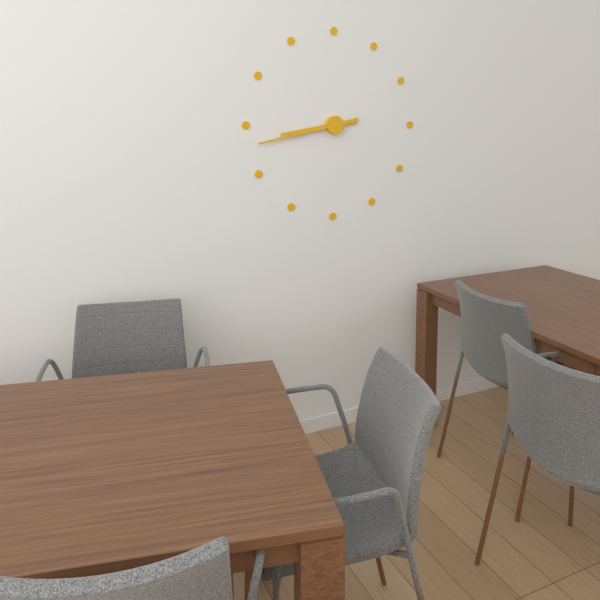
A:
8h43
